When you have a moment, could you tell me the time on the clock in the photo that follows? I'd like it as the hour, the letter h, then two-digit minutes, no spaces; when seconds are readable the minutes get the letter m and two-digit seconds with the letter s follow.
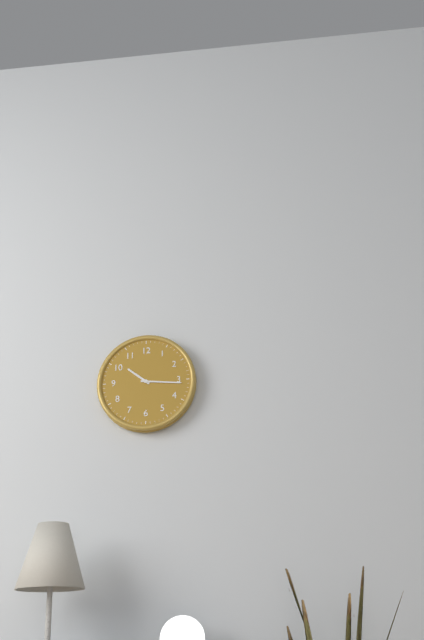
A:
10h16
